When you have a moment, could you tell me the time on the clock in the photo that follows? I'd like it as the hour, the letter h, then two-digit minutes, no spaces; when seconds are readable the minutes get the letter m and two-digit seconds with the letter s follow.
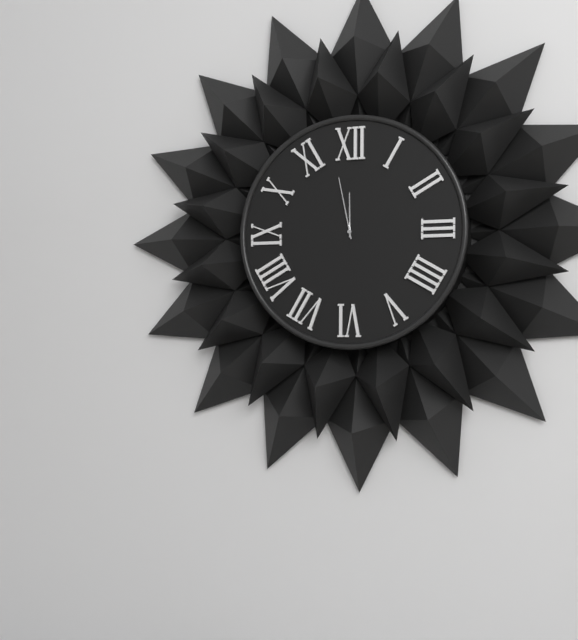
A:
11h58
